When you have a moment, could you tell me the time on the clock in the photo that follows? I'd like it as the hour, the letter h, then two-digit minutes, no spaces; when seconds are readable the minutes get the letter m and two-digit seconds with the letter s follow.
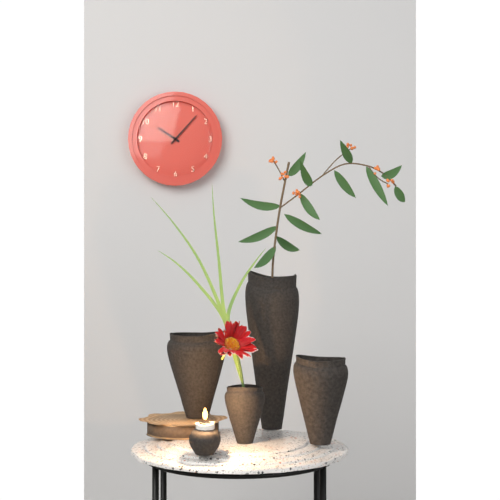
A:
10h07
